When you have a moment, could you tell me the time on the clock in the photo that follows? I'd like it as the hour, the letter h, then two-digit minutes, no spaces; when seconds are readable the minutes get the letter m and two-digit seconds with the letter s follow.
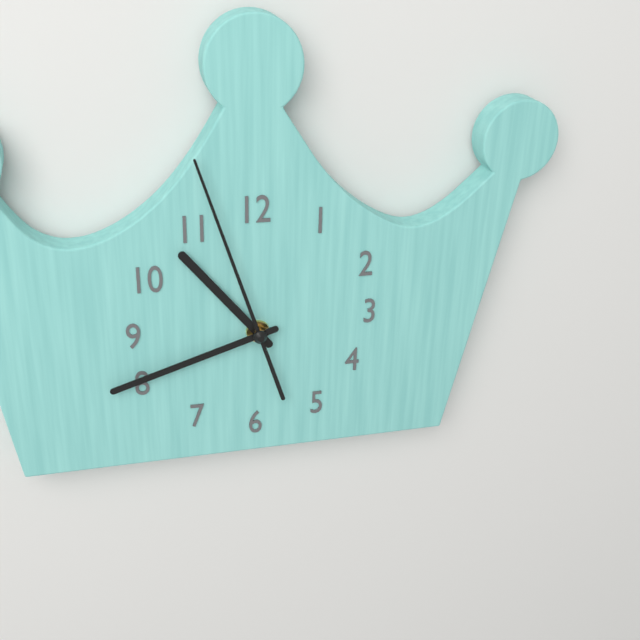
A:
10h42m57s
